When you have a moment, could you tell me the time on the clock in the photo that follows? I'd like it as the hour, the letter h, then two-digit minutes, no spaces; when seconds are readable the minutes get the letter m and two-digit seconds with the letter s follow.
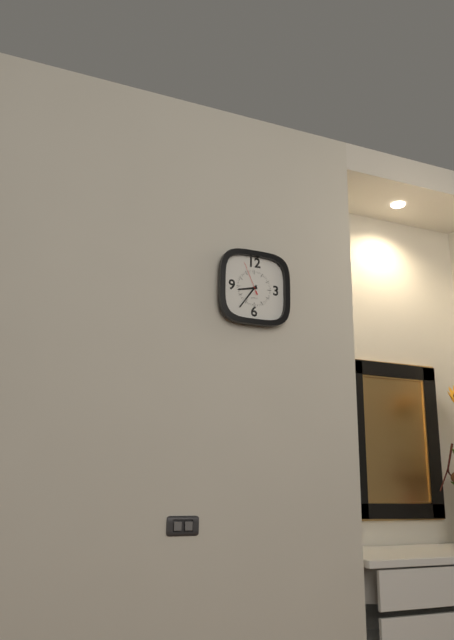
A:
8h36
